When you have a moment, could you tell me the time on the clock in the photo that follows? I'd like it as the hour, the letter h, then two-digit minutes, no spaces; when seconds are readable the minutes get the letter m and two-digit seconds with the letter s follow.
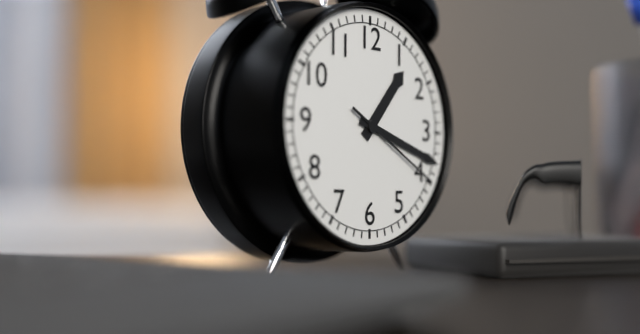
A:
1h18m20s
